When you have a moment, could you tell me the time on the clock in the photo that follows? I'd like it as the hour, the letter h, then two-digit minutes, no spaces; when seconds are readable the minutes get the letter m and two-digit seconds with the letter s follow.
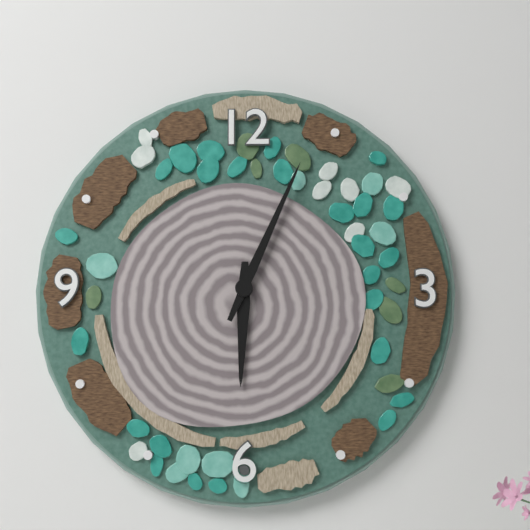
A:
6h04
